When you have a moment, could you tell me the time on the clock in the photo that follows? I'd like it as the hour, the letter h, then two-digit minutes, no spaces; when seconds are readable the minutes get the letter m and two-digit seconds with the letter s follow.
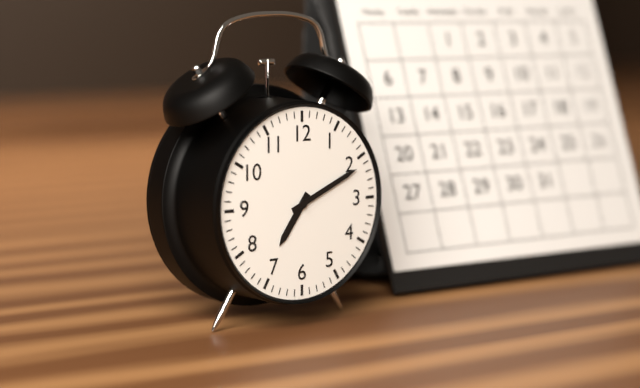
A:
7h11
